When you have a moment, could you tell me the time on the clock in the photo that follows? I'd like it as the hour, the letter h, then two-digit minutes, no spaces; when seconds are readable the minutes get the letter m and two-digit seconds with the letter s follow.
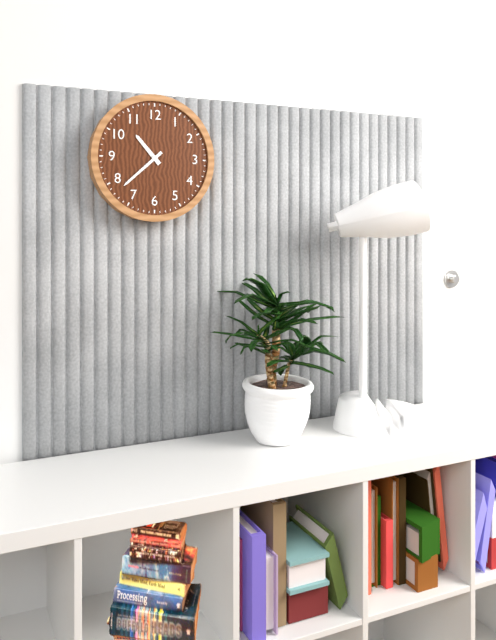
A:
10h38
